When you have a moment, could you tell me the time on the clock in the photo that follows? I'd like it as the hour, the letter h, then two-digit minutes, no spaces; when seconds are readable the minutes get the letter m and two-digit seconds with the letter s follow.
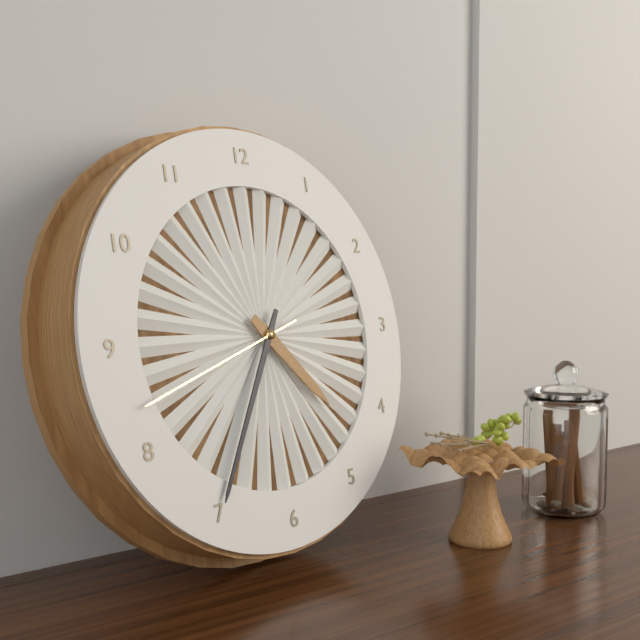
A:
4h35m42s
